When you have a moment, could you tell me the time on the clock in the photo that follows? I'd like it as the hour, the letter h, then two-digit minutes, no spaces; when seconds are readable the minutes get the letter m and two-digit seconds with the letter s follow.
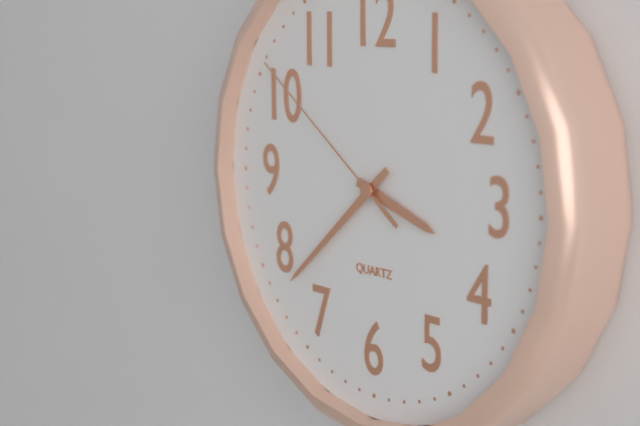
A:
3h38m51s
